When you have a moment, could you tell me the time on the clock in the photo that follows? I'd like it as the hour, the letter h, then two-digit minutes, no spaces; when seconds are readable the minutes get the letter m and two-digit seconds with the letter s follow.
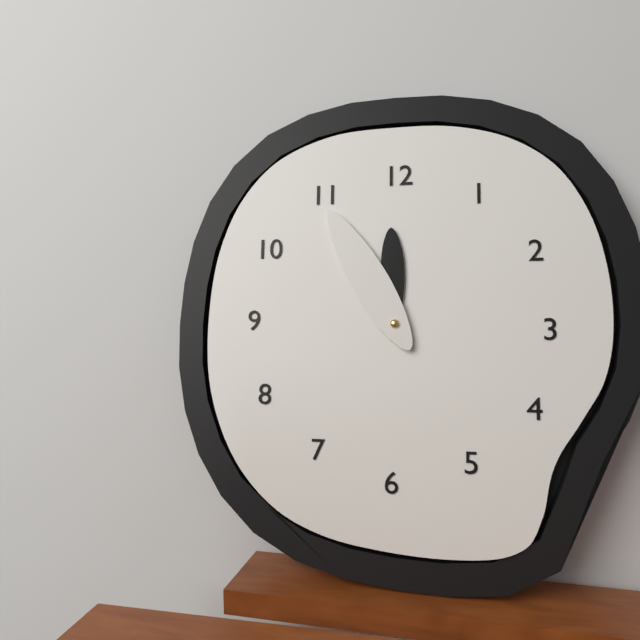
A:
11h55
